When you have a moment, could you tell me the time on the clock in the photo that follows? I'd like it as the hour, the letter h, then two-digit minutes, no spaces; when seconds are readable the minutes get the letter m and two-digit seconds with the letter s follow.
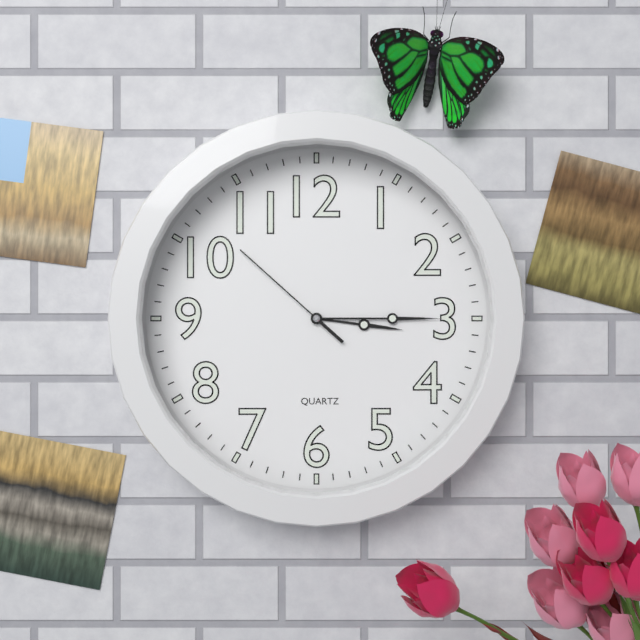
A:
3h15m52s
